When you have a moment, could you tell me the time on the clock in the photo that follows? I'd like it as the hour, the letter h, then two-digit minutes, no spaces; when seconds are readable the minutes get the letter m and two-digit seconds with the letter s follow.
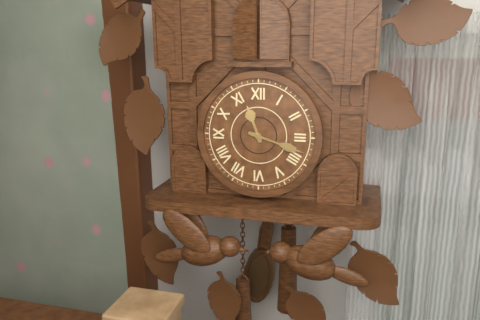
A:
11h18
